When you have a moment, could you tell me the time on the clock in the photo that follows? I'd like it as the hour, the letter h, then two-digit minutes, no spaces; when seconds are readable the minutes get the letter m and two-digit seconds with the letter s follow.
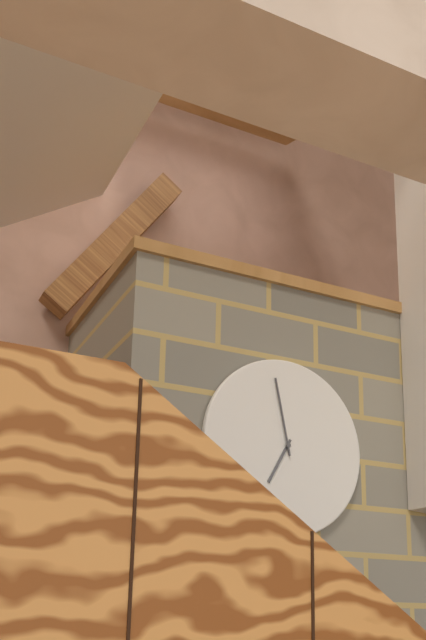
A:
6h58
